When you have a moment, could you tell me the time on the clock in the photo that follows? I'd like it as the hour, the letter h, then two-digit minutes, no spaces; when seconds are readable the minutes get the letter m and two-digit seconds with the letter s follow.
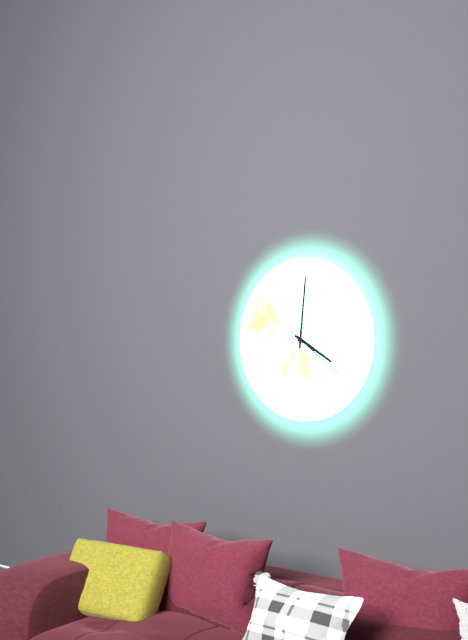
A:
4h01m21s
